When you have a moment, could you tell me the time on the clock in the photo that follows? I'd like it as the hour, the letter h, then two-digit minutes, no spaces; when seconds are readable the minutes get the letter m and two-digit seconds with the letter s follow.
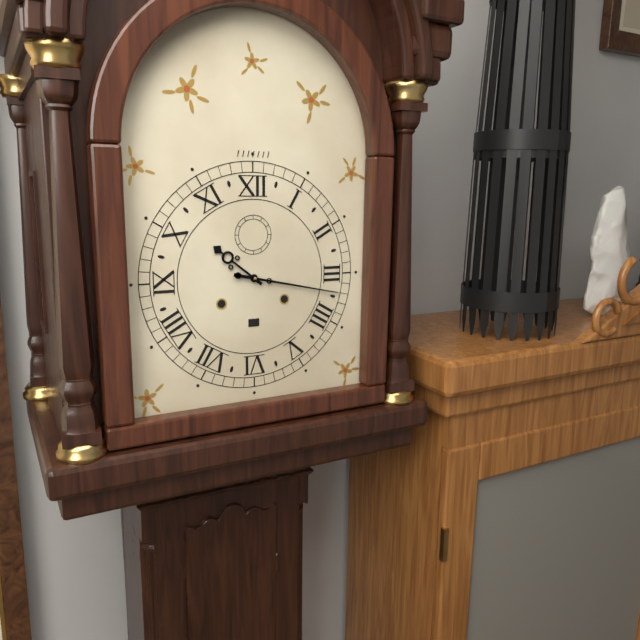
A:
10h17
